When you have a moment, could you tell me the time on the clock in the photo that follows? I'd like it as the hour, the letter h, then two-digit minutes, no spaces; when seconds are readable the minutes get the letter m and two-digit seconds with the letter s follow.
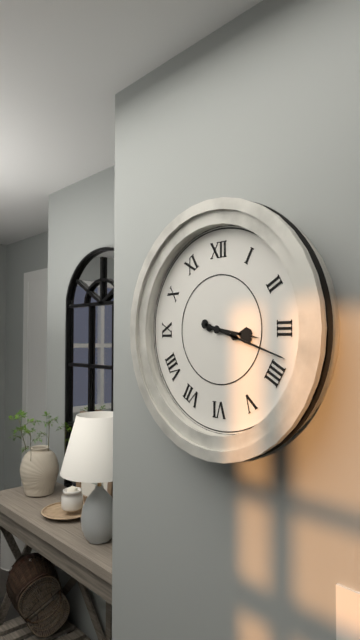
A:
3h18
